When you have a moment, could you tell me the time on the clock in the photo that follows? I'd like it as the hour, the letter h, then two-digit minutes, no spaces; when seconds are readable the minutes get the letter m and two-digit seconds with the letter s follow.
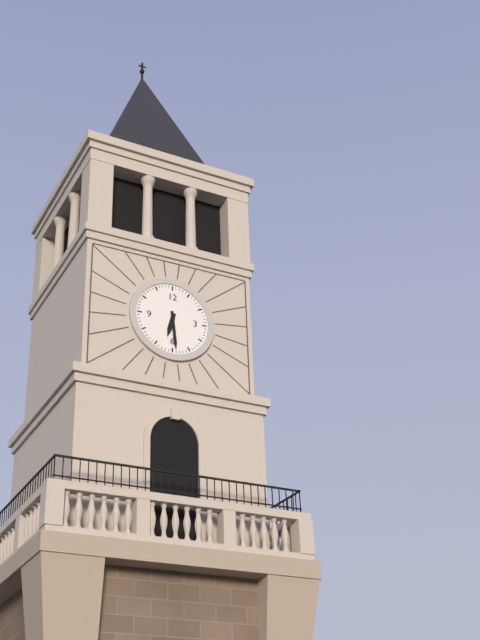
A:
6h29
